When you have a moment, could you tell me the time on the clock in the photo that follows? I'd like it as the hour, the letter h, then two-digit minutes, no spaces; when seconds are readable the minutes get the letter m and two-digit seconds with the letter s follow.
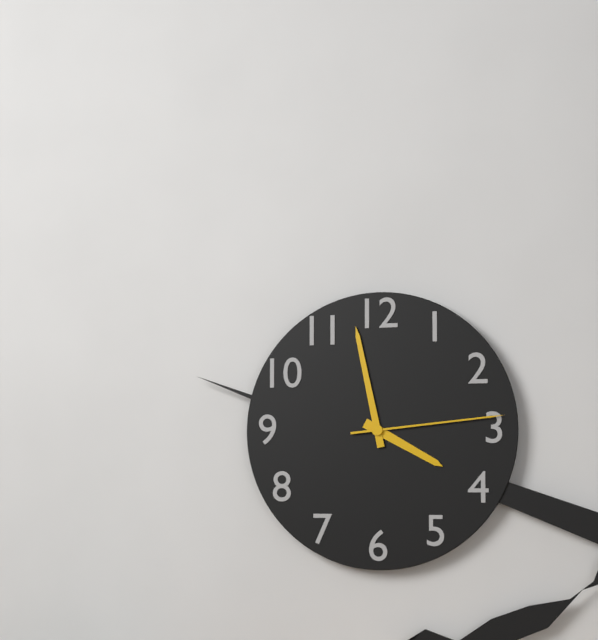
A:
3h58m14s
